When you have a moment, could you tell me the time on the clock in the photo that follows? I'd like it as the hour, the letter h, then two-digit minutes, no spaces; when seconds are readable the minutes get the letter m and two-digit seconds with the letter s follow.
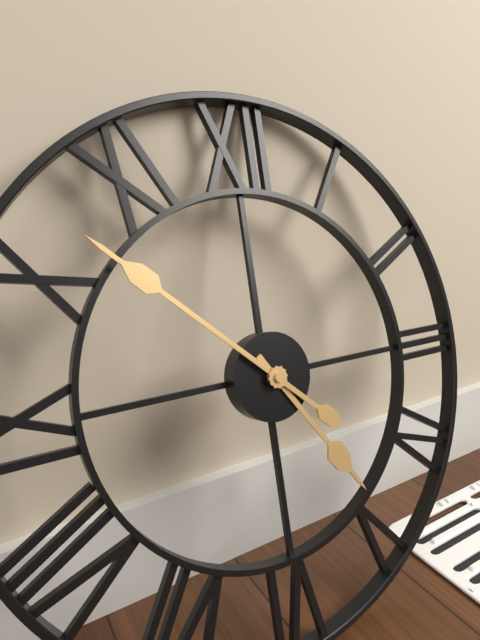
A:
4h52
